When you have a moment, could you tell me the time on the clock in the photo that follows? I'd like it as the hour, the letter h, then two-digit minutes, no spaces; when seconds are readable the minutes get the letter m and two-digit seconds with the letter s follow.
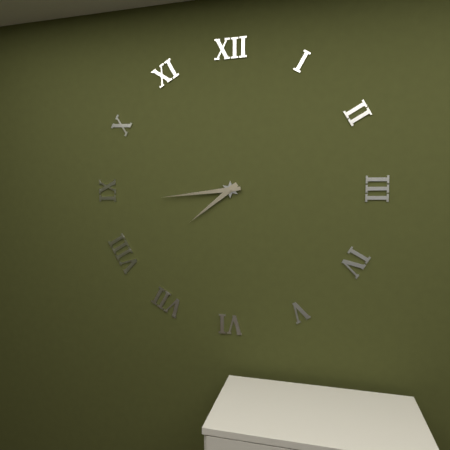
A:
7h44
